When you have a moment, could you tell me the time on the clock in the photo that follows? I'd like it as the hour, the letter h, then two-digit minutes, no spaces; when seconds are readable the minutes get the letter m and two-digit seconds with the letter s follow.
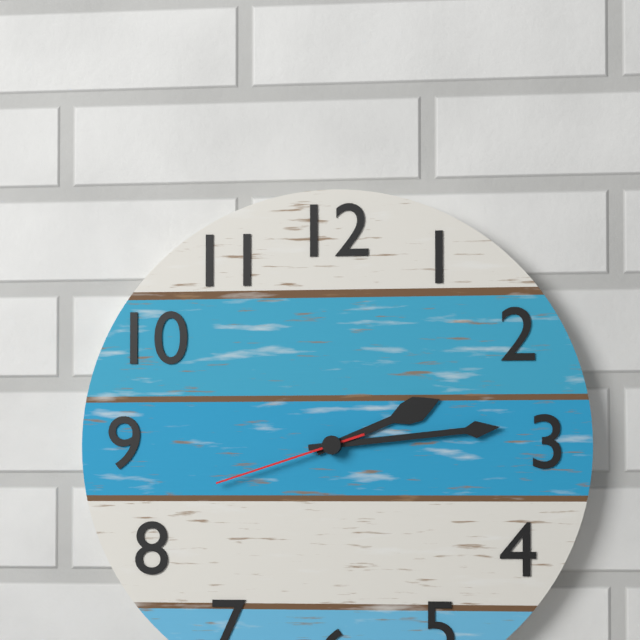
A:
2h14m42s
